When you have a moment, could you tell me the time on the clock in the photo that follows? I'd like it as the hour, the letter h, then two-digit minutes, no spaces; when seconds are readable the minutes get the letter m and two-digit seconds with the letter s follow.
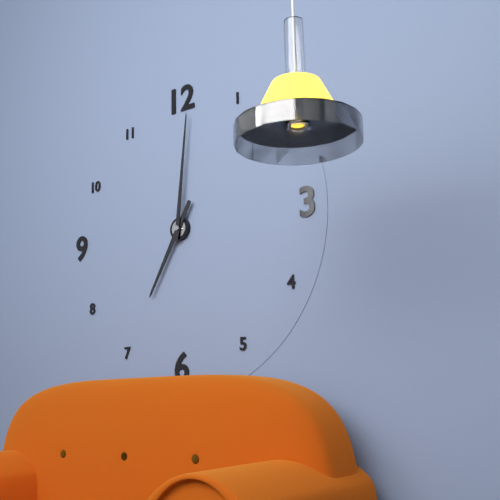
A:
7h01
